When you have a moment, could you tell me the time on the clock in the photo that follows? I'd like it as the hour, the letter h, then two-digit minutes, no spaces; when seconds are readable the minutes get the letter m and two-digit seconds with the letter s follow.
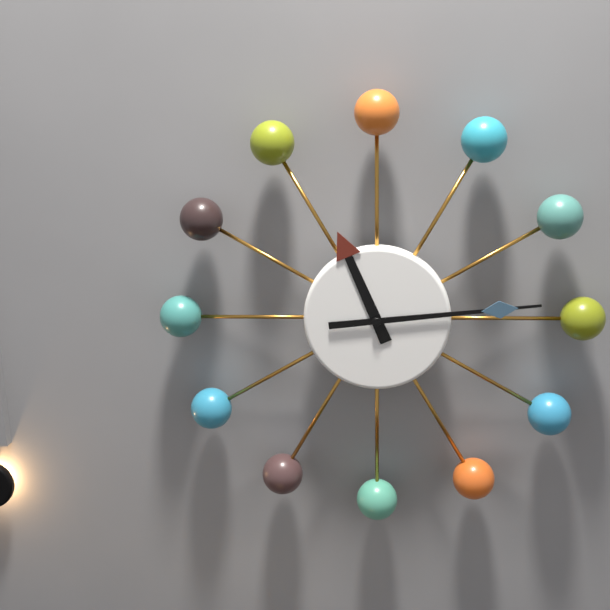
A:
11h14
